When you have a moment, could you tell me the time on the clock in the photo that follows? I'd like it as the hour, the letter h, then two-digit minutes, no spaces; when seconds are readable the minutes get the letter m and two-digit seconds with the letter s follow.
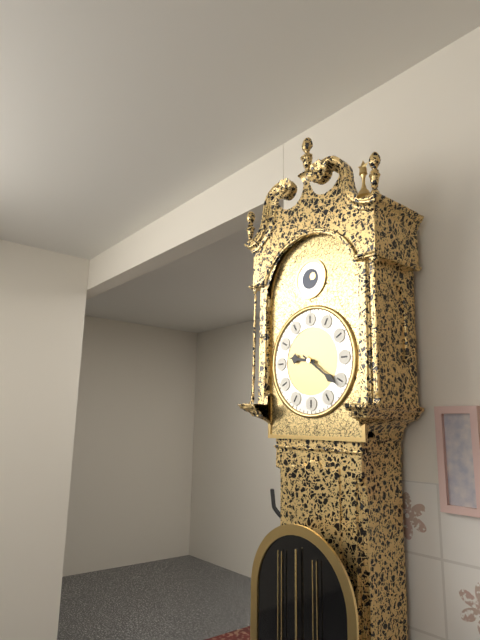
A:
9h21
